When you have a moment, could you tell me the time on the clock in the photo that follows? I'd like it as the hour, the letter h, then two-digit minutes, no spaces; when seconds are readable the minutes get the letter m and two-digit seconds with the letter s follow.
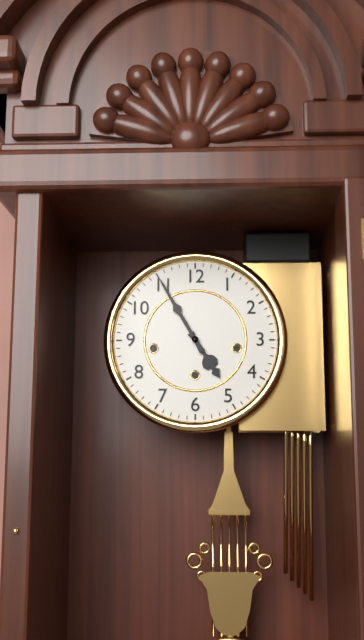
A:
4h55
